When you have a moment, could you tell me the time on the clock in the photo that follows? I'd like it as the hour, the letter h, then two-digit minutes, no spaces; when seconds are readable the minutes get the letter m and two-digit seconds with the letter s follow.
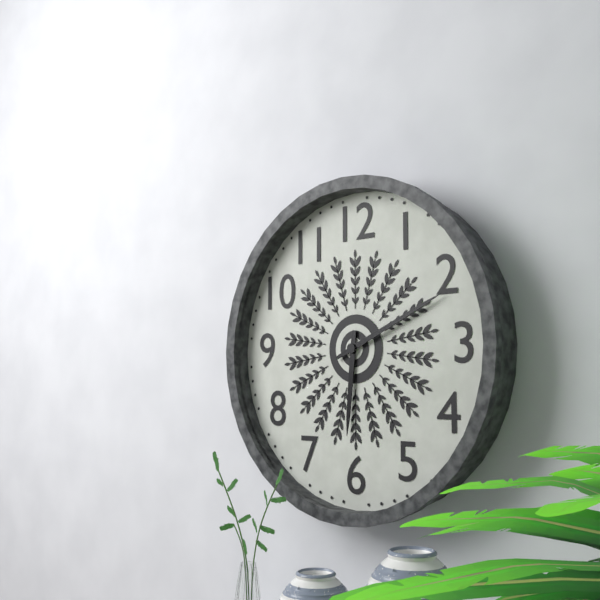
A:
6h11
